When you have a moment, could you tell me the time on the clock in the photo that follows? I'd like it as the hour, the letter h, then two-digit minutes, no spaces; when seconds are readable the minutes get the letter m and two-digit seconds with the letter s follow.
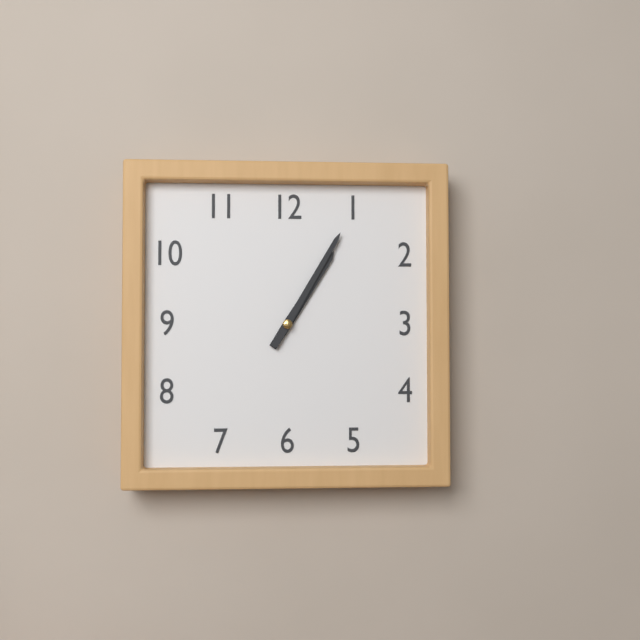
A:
1h05
